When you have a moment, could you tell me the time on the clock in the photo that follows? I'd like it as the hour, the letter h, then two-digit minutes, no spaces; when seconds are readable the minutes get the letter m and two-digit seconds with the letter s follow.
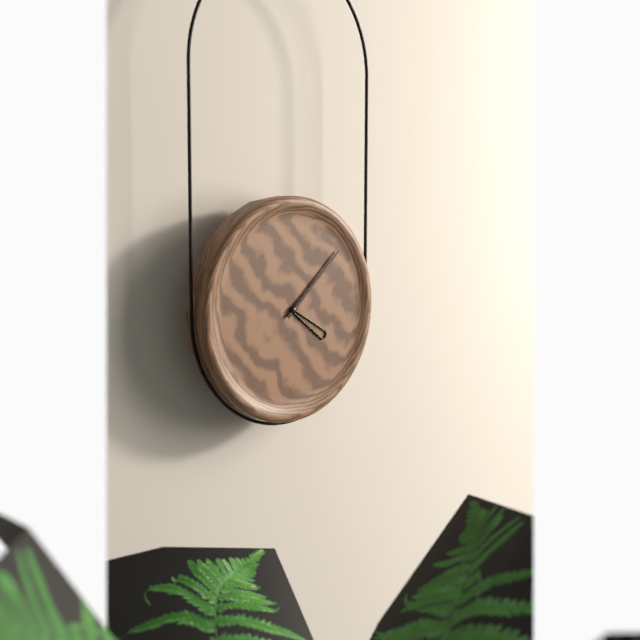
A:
4h08
